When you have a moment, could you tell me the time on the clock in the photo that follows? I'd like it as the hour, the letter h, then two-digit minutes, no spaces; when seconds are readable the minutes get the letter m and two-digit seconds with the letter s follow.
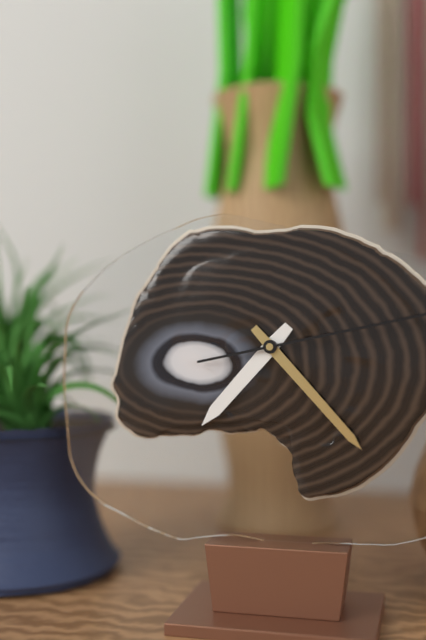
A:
7h23
